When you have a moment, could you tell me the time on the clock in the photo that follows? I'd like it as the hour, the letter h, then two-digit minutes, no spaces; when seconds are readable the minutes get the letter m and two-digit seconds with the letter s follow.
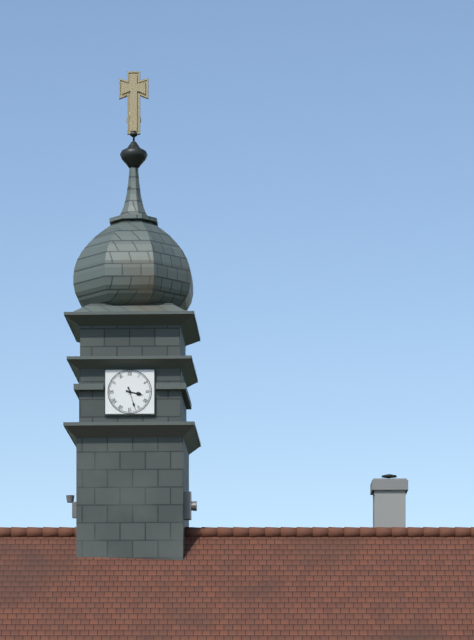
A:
3h27
